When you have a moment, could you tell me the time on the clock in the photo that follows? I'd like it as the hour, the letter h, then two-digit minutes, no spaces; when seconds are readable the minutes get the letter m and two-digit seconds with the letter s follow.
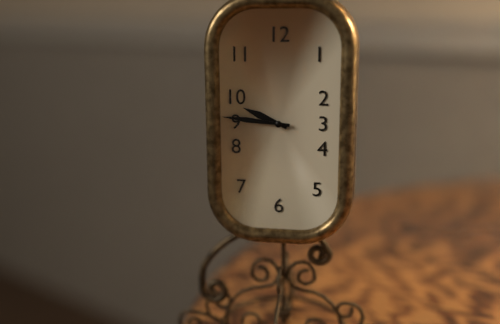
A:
9h46
